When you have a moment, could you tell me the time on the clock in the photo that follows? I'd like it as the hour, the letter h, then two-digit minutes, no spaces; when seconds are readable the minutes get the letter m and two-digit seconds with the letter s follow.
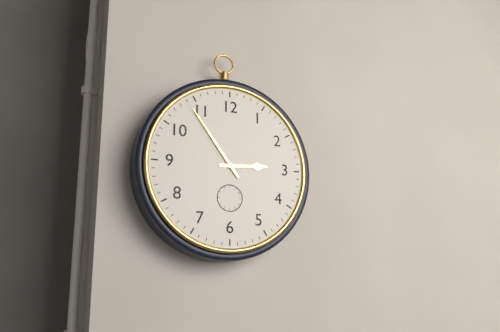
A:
2h54
